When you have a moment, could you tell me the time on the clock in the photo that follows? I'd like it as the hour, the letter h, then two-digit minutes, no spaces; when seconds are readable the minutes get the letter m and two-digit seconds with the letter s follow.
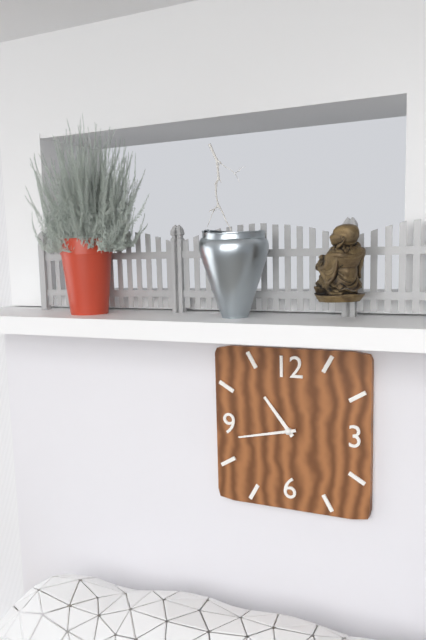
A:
10h43
